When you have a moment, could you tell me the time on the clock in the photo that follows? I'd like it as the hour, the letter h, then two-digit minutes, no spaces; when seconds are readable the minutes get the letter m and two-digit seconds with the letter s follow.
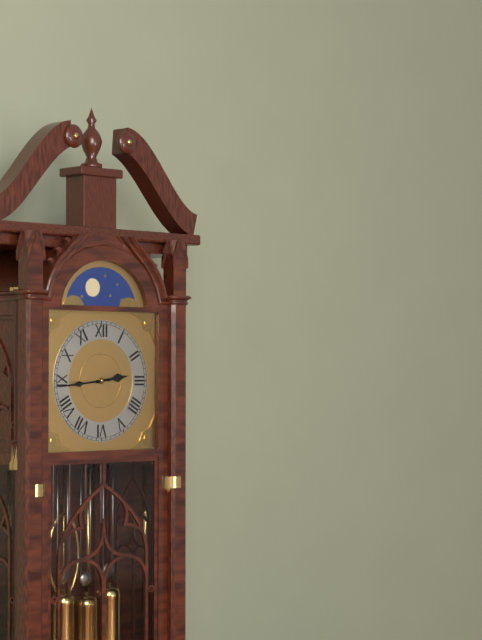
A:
2h44
